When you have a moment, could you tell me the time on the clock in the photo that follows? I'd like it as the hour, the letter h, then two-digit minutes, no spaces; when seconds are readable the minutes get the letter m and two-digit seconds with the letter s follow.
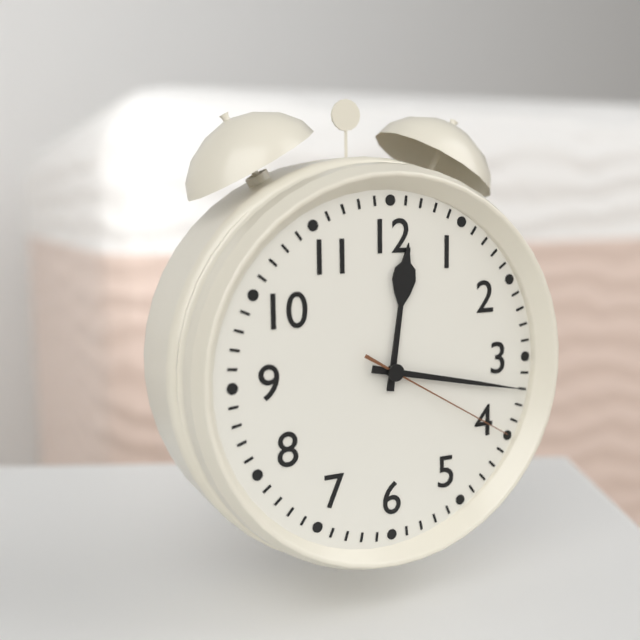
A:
12h17m20s
